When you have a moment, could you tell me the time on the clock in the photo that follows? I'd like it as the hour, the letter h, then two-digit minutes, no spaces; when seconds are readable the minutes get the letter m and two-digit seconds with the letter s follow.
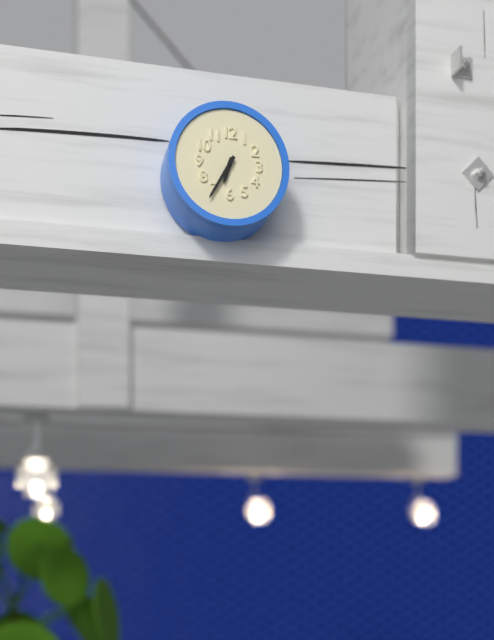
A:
6h35
